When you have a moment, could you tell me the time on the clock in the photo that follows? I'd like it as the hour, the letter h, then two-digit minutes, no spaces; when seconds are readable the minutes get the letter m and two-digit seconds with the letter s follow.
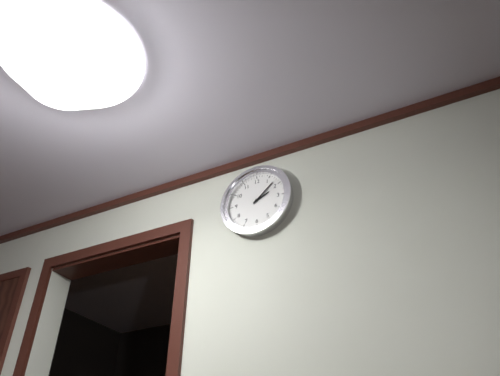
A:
2h08
